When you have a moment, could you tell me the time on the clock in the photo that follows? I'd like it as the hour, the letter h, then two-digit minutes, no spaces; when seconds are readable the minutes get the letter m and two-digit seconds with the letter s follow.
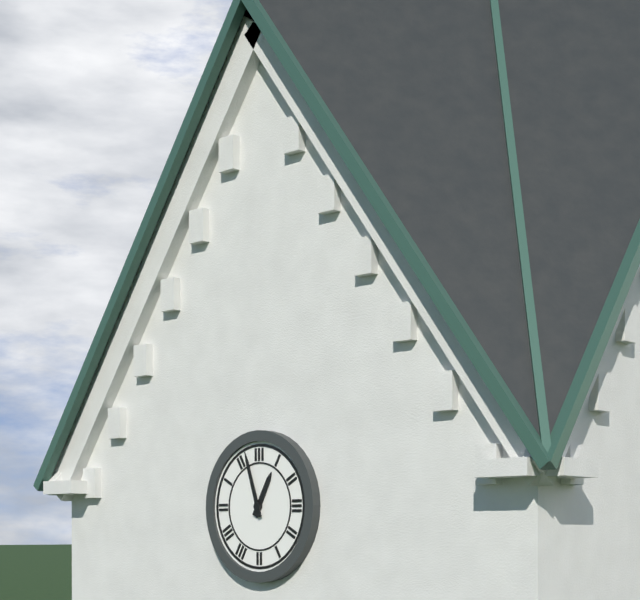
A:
12h57
